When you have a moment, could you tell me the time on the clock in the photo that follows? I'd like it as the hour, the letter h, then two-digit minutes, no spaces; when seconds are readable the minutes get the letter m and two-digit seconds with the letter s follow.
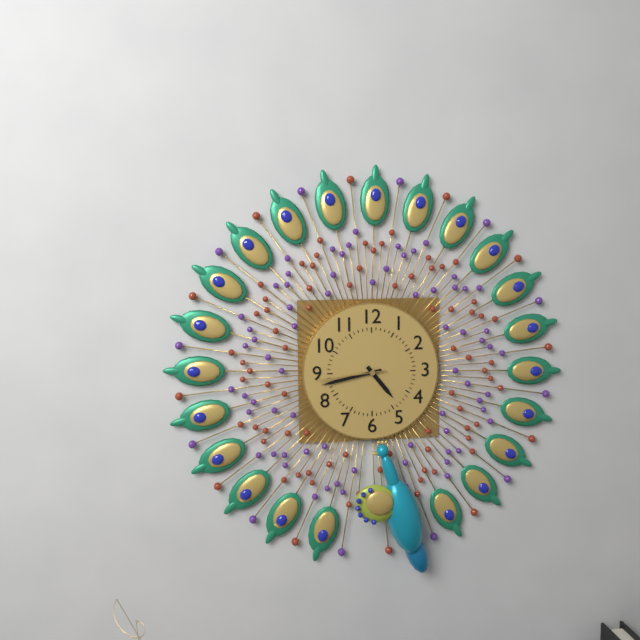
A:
4h43m44s
